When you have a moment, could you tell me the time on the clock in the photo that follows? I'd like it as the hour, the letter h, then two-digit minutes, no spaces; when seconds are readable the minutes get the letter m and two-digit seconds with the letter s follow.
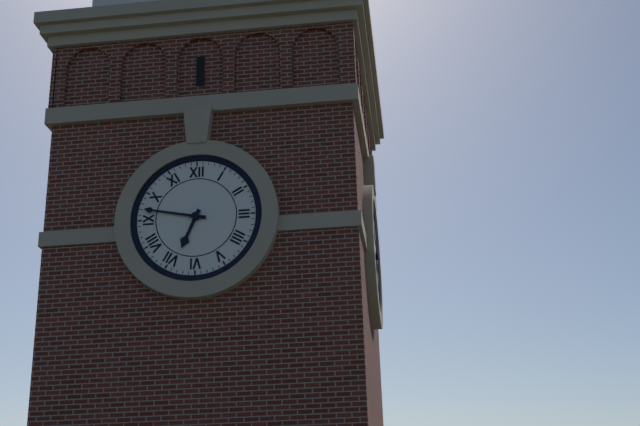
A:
6h47
